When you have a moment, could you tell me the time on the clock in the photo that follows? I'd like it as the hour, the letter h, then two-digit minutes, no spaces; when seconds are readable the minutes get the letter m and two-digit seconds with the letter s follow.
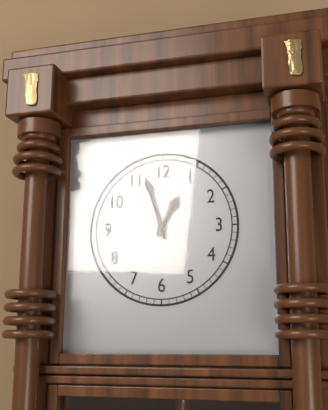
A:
12h57
